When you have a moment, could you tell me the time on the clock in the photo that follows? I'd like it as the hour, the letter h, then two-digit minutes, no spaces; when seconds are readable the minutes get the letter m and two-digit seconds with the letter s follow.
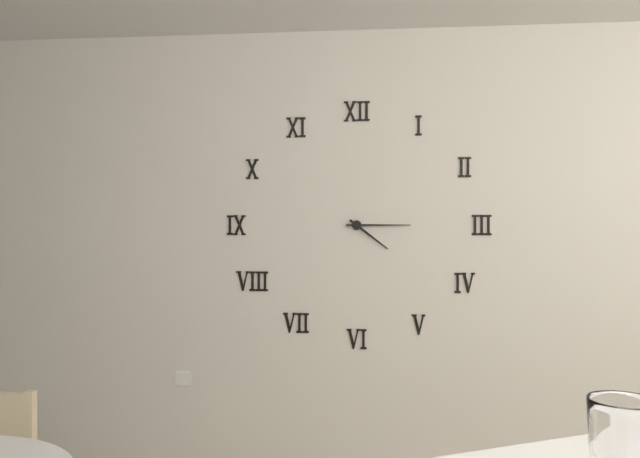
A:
4h15
